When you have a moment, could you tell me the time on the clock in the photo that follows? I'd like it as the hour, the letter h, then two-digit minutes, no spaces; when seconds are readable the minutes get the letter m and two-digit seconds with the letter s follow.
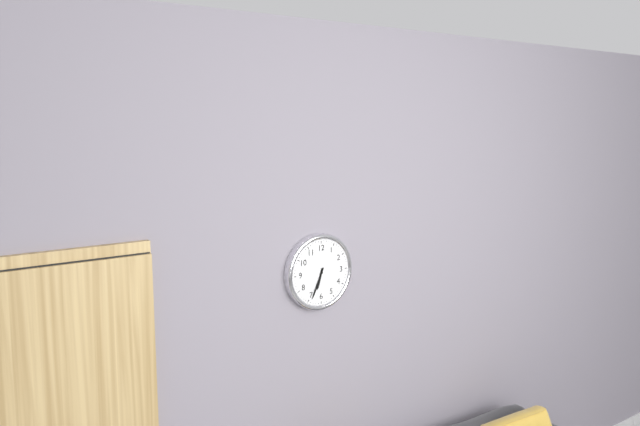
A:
6h34
